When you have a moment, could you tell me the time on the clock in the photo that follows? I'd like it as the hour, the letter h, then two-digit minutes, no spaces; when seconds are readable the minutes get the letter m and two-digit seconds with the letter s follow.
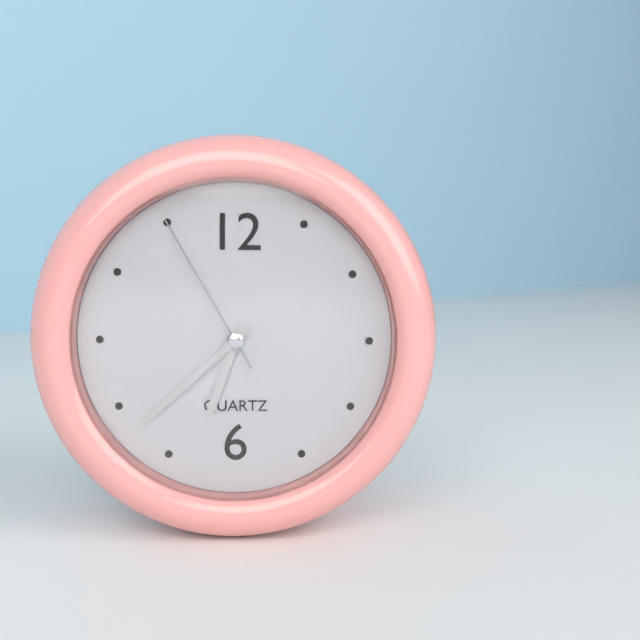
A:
6h38m55s
